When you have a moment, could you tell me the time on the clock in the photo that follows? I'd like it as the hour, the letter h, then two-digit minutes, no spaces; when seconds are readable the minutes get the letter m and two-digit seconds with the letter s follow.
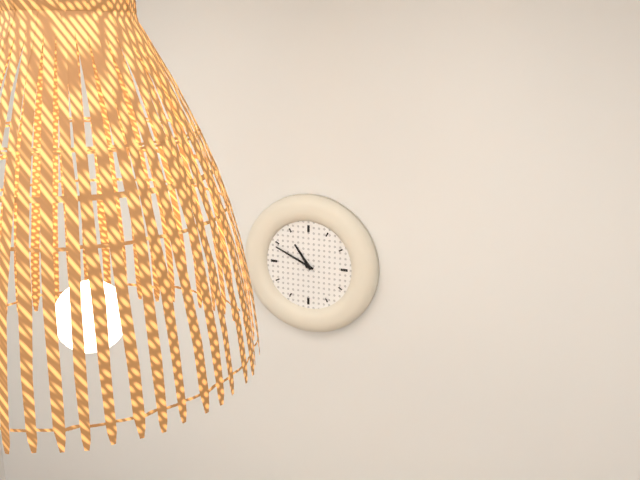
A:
10h49
